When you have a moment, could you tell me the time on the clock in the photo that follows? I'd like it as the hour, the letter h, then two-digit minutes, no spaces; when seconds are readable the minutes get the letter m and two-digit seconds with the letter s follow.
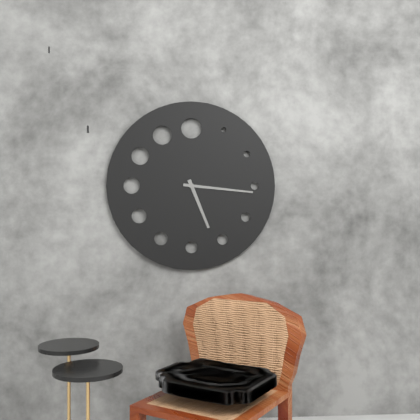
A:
5h16
